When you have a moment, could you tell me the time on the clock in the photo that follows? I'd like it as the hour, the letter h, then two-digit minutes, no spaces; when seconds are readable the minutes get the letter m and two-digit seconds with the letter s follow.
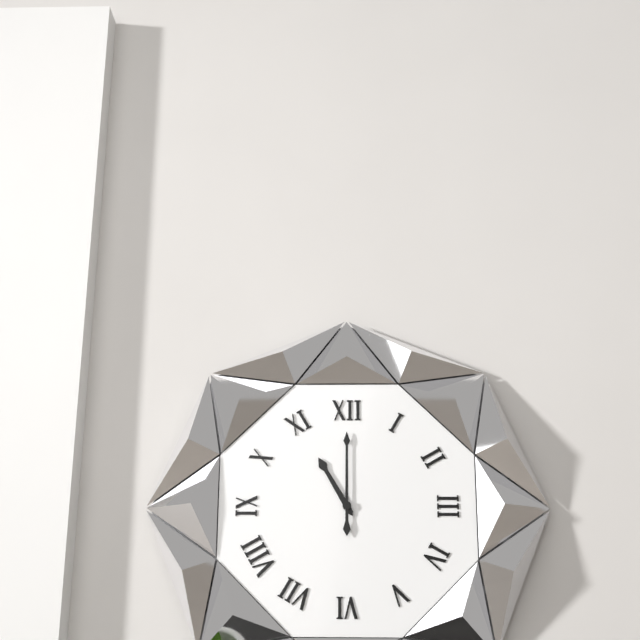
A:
11h00
